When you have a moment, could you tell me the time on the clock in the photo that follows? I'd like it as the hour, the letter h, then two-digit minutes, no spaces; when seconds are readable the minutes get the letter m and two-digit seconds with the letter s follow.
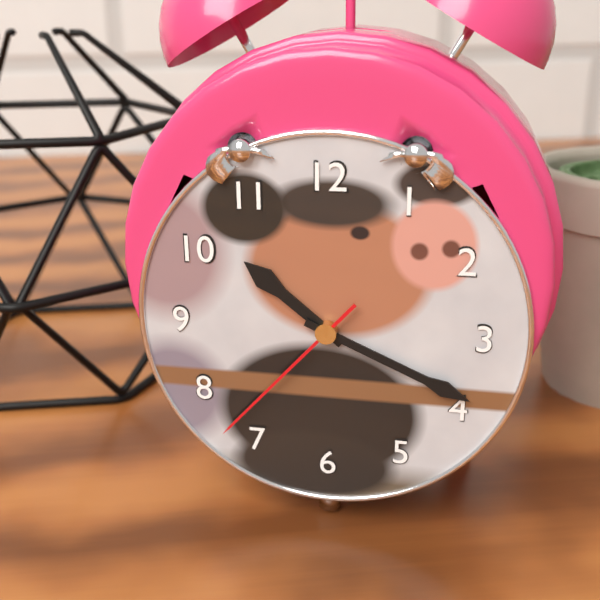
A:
10h19m37s
